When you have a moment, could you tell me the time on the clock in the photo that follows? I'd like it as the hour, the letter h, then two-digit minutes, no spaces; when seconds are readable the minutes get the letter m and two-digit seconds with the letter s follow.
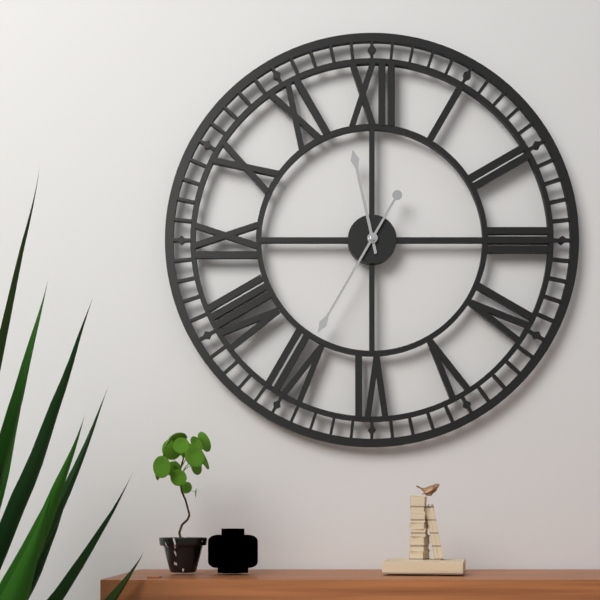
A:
11h35
